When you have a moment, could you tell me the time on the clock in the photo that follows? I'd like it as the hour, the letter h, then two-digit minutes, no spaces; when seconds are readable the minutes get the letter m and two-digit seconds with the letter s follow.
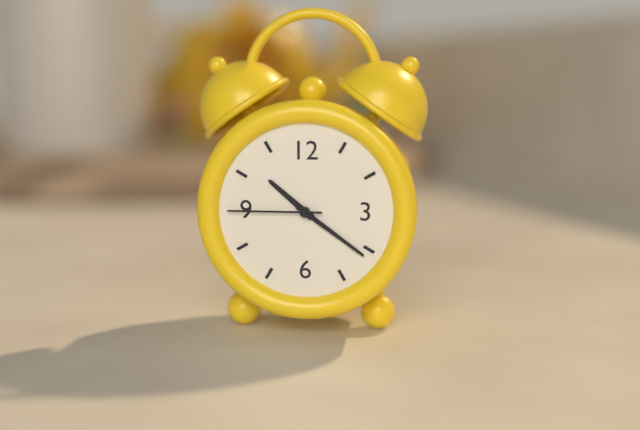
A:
10h21m45s
